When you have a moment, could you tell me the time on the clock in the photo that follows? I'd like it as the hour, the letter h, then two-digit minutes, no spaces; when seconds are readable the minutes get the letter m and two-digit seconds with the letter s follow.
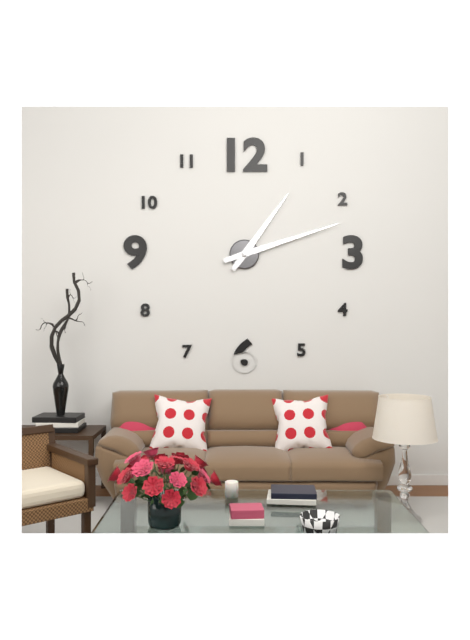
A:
1h12
